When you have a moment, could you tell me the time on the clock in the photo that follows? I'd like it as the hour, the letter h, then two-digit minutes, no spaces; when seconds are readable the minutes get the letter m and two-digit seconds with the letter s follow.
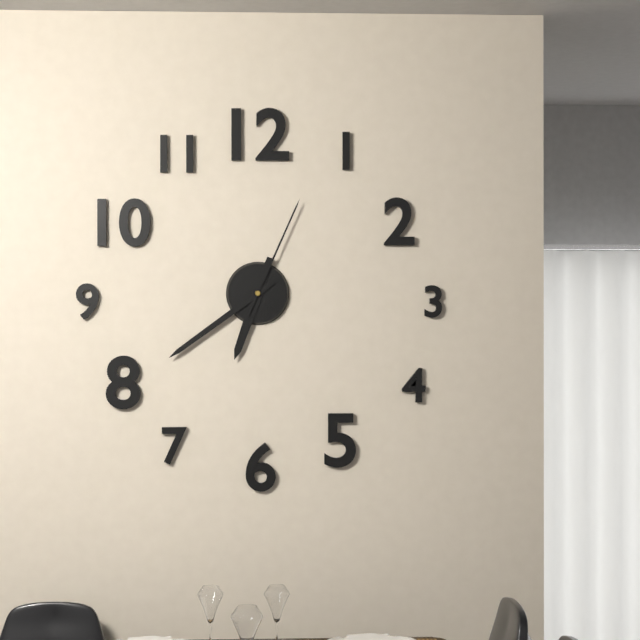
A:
6h39m04s
